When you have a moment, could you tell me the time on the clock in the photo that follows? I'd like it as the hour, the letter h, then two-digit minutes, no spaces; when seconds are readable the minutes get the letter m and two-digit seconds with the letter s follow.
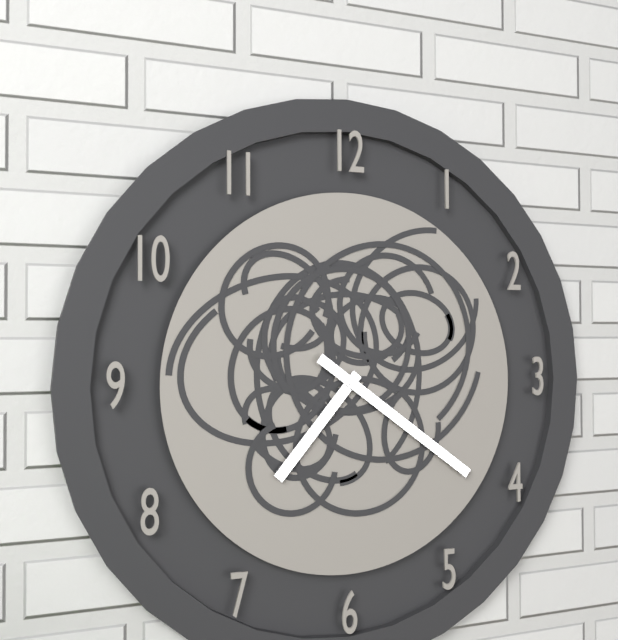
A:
7h21
